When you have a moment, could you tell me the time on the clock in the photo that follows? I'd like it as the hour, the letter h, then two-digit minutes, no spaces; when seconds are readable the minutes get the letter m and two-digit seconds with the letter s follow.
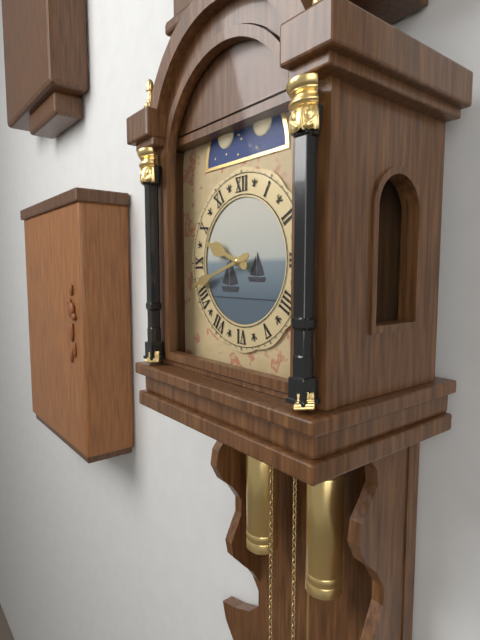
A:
9h42
